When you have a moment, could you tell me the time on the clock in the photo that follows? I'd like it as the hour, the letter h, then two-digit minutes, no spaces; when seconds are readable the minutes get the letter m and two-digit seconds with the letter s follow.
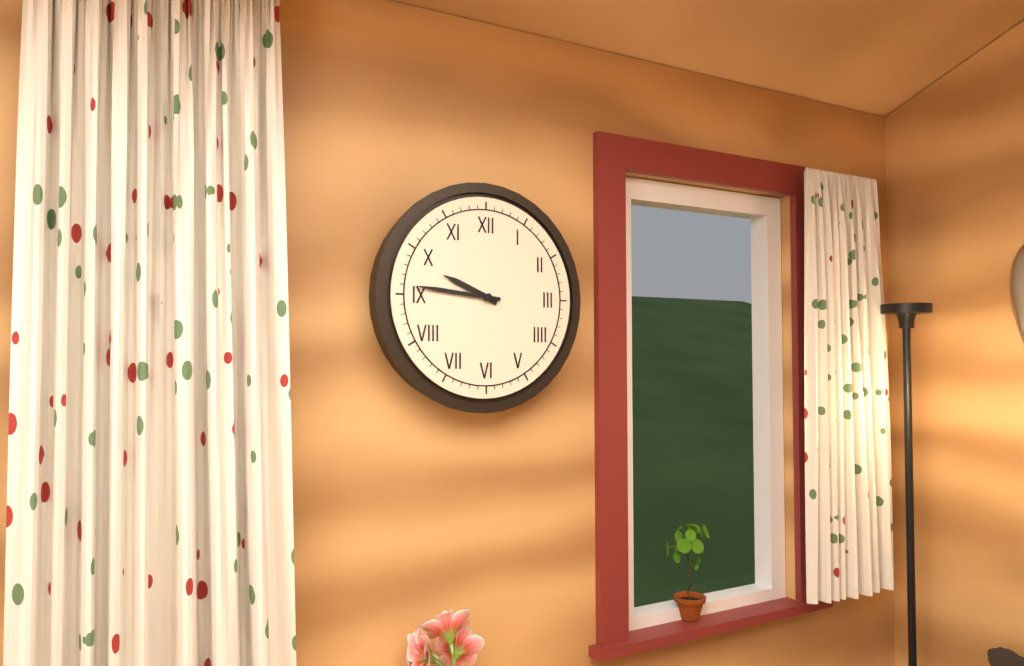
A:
9h46
